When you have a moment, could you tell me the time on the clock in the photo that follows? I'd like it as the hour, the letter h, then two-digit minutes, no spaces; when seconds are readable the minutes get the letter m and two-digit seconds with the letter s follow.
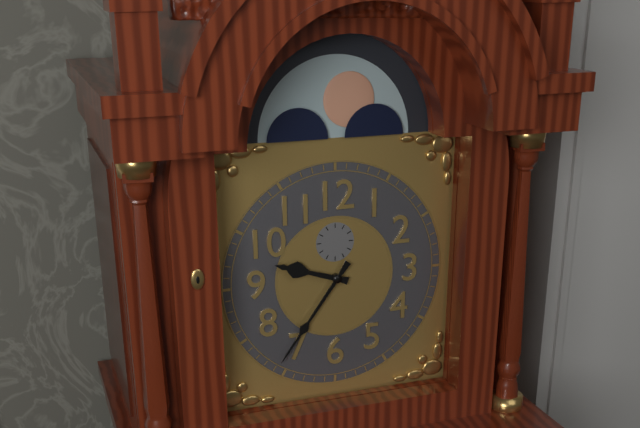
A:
9h36
